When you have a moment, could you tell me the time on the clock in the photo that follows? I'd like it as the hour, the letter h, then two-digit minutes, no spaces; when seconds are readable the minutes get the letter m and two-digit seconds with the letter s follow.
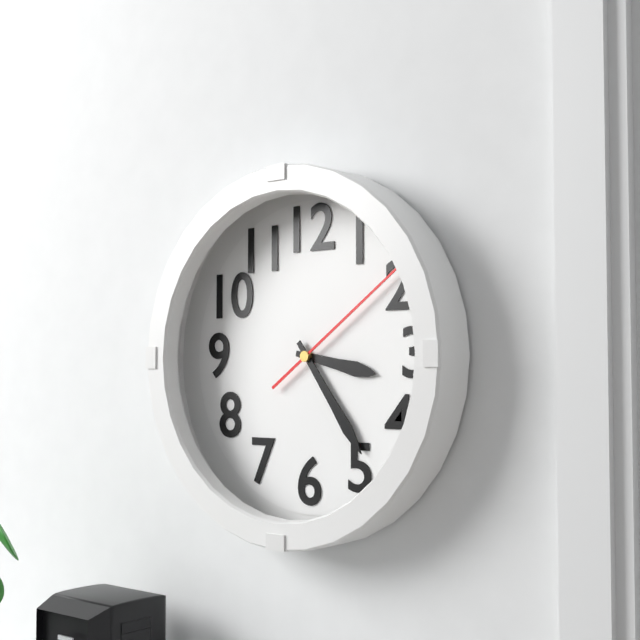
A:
3h24m09s
